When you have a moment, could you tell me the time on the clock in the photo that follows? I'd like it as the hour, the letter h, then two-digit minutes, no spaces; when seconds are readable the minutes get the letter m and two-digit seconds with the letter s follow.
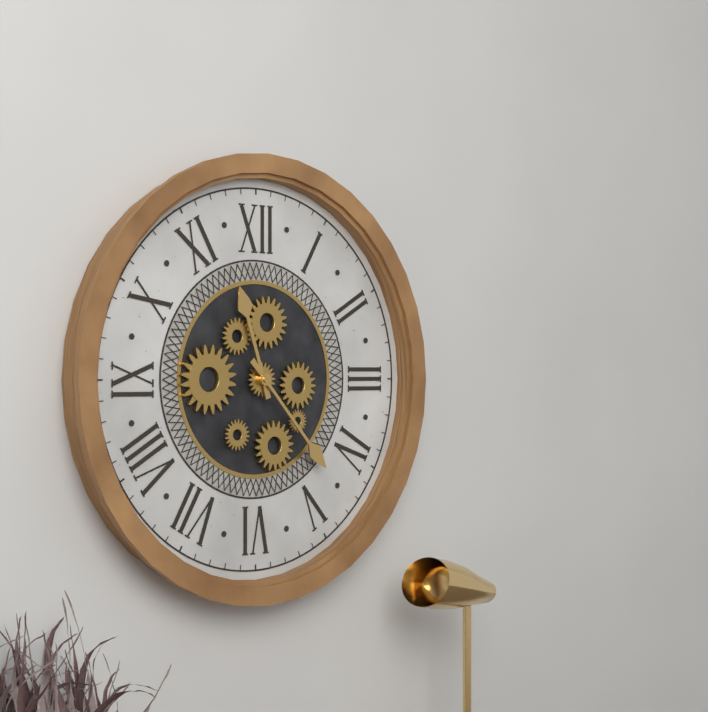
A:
11h23
